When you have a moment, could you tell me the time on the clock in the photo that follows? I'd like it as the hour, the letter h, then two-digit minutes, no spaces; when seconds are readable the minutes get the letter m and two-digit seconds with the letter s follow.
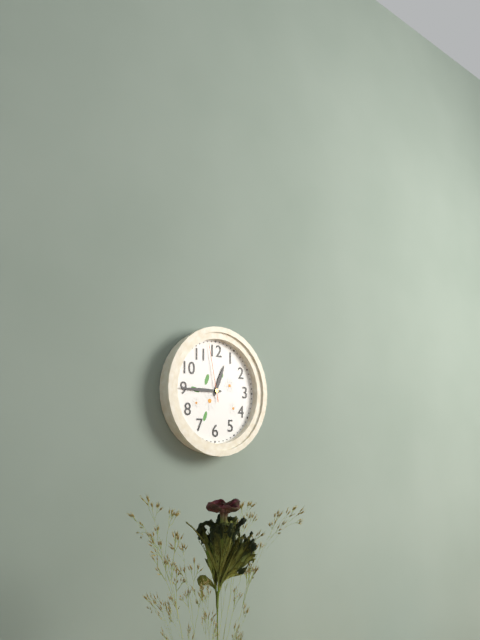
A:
12h45m58s
